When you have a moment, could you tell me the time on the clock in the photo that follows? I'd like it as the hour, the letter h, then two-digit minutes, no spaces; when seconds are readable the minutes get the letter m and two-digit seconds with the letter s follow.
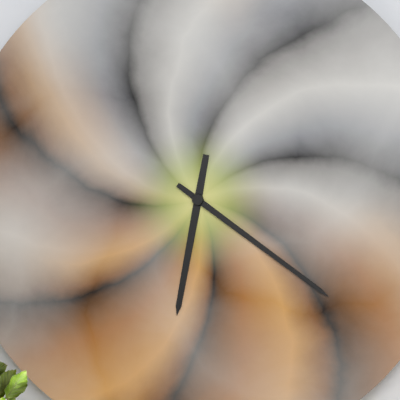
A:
6h21
